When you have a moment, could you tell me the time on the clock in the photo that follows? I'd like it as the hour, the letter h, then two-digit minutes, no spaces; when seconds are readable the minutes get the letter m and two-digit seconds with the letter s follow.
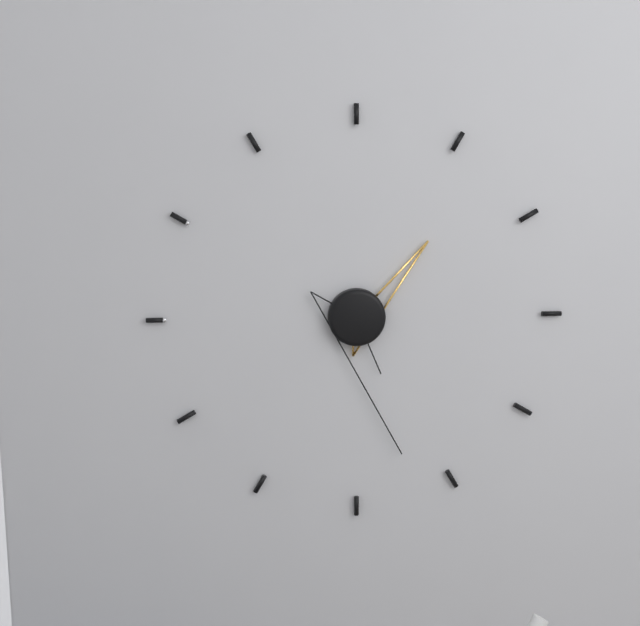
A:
1h27
